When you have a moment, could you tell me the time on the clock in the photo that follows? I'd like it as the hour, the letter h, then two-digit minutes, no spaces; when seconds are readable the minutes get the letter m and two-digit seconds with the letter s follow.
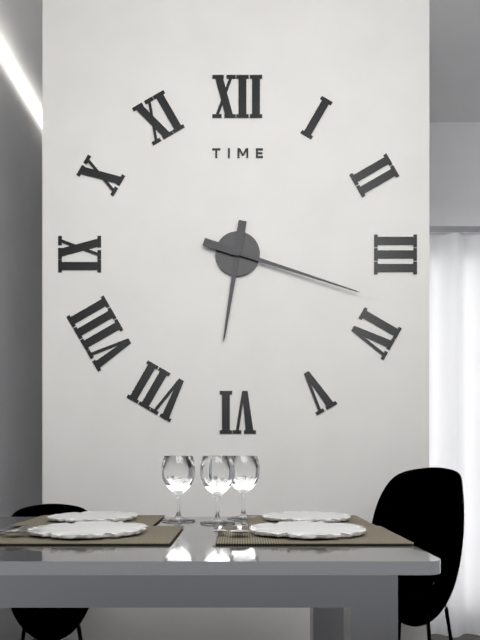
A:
6h18
